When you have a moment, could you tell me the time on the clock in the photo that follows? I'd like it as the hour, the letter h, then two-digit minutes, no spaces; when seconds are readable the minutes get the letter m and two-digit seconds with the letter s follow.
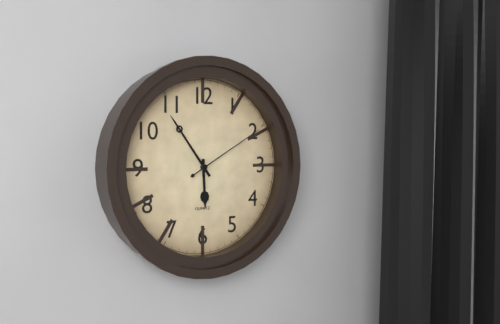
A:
5h54m10s
